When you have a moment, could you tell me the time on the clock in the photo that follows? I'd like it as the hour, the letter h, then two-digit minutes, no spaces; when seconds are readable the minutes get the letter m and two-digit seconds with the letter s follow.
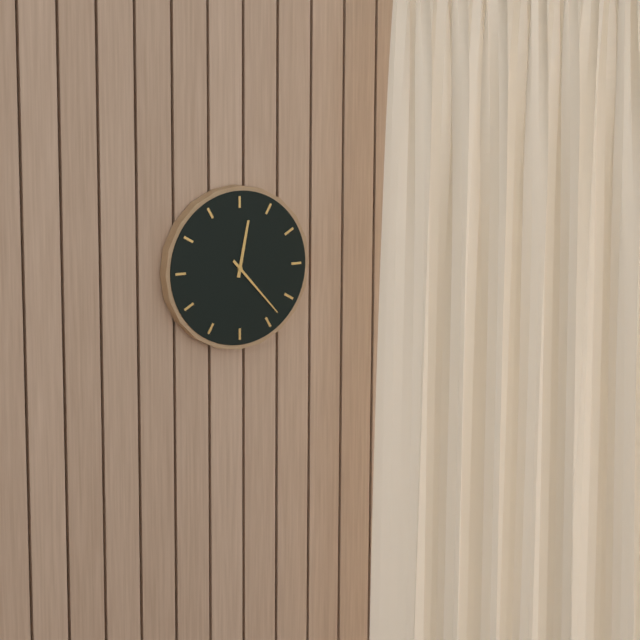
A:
12h23
